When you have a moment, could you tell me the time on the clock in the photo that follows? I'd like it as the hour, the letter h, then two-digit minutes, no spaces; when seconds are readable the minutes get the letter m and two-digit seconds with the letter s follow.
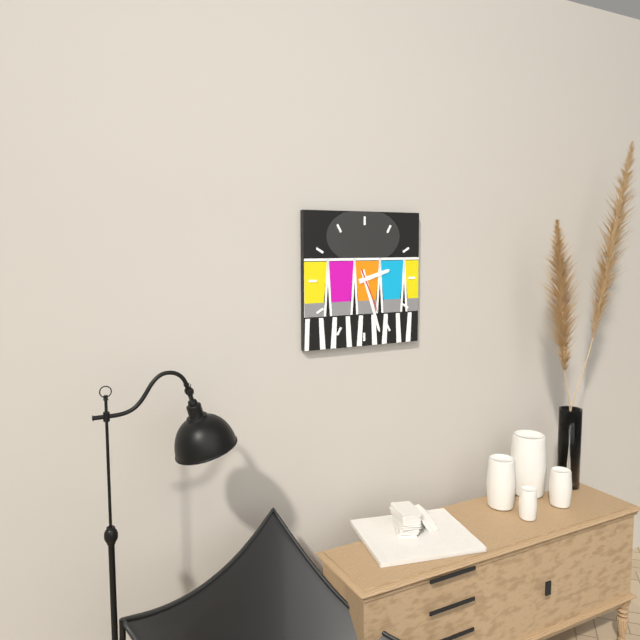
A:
2h27
